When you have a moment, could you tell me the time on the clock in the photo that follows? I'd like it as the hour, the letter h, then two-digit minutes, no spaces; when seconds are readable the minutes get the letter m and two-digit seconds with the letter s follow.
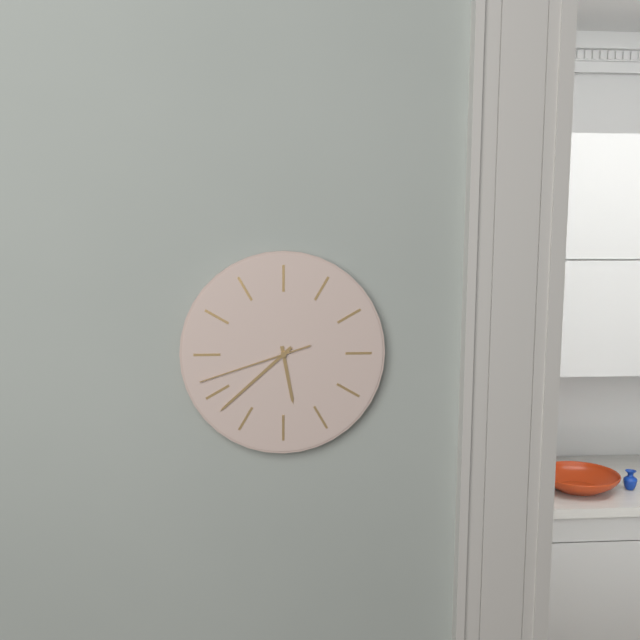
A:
5h38m42s
